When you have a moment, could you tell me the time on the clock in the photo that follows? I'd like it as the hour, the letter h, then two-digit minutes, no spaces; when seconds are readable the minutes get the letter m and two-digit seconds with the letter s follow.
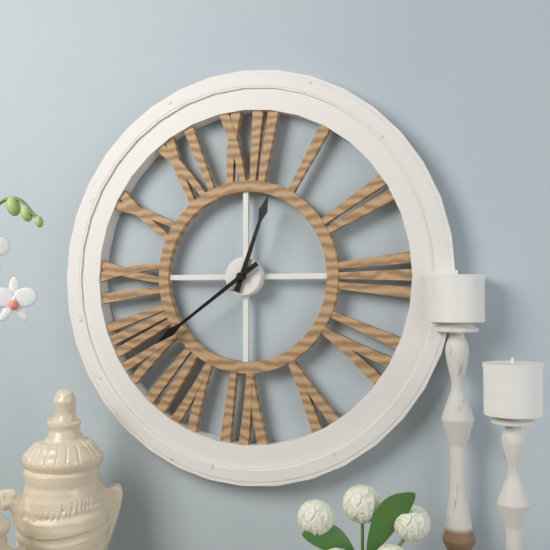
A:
12h39
